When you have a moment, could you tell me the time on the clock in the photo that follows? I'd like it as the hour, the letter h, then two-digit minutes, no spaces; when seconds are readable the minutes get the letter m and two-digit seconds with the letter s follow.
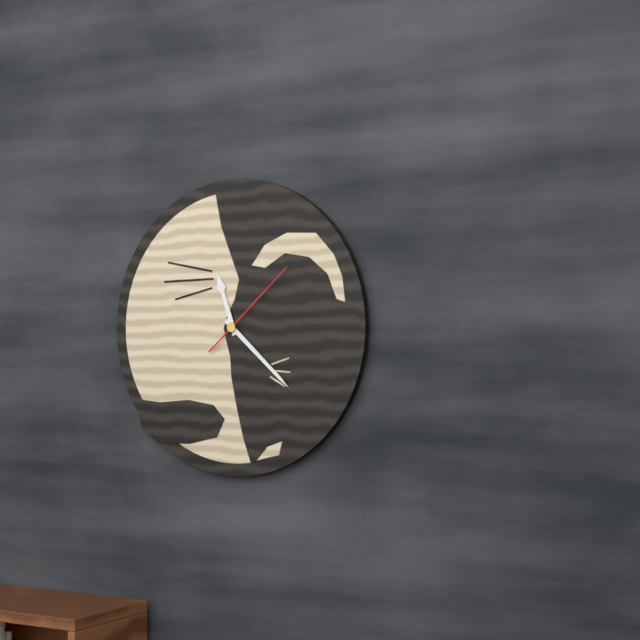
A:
11h22m08s
